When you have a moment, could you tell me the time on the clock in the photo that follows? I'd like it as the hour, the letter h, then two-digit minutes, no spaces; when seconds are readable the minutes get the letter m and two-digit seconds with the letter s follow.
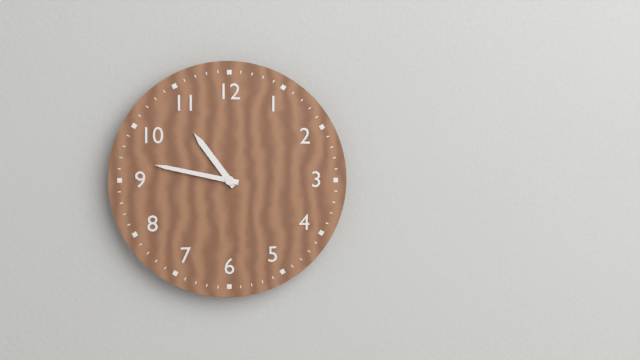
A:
10h47
